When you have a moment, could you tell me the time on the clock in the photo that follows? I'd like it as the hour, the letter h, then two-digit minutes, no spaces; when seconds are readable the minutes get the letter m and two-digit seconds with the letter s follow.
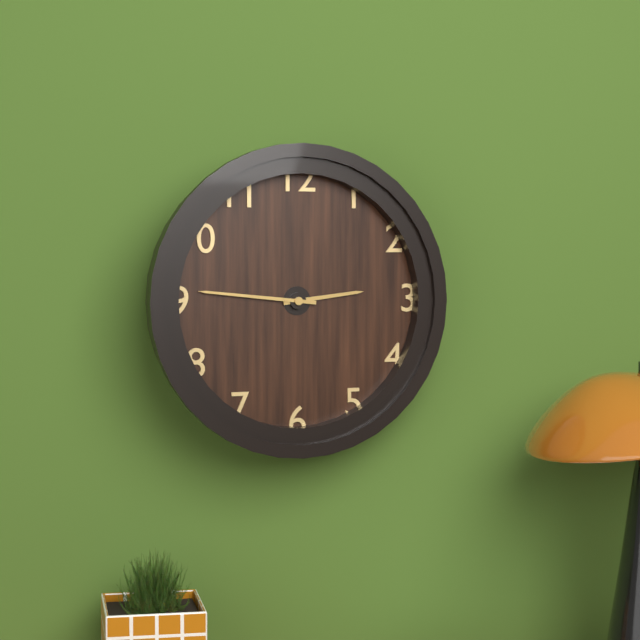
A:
2h46
